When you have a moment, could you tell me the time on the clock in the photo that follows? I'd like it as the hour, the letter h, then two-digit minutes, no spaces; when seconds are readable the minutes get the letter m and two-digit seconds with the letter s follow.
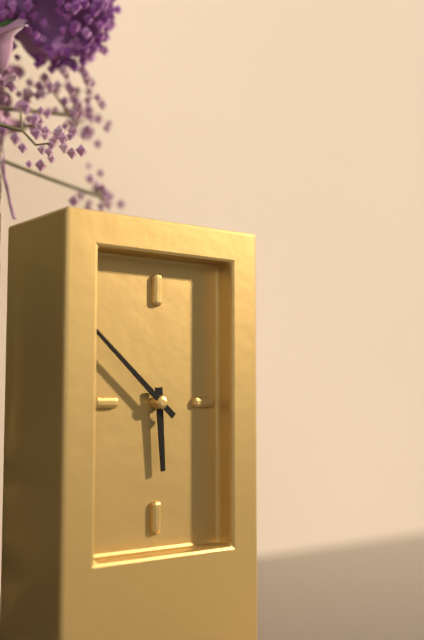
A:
5h52
